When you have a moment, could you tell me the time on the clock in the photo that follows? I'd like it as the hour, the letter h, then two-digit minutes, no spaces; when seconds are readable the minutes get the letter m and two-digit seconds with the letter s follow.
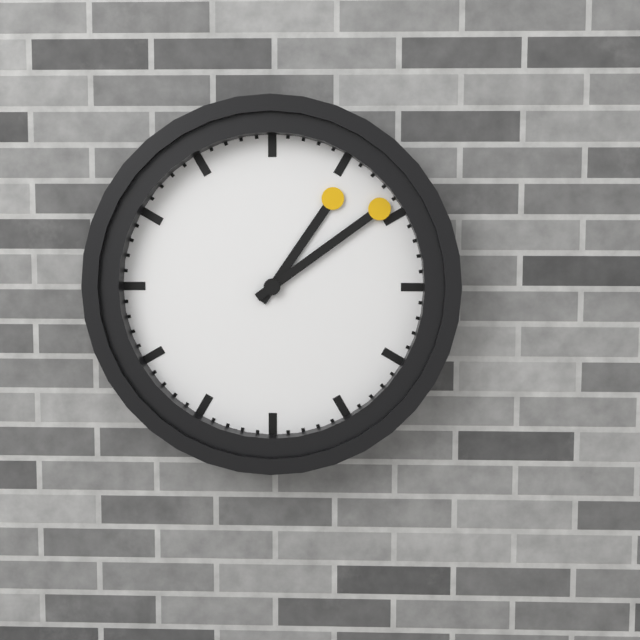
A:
1h09
